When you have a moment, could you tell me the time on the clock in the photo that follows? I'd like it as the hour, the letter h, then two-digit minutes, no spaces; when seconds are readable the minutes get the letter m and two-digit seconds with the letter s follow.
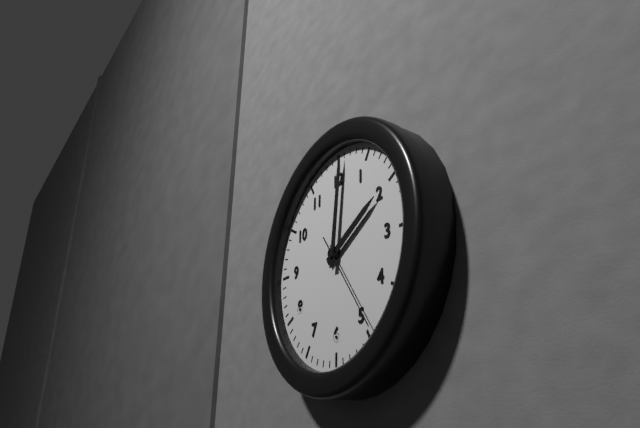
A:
2h01m24s
